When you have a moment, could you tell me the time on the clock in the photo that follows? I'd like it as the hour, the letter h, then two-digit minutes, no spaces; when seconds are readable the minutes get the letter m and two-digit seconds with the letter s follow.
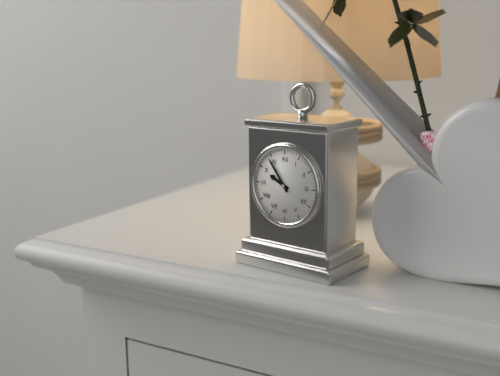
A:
9h54
